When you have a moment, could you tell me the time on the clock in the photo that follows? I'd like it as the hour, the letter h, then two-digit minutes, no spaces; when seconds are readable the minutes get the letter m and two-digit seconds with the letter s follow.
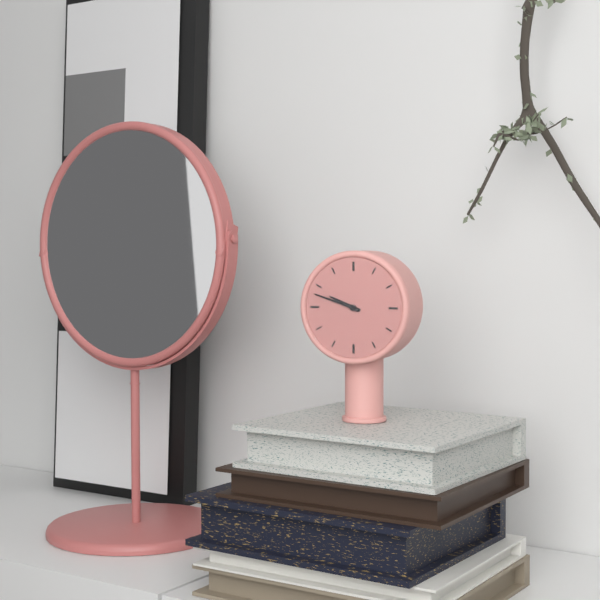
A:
9h48
